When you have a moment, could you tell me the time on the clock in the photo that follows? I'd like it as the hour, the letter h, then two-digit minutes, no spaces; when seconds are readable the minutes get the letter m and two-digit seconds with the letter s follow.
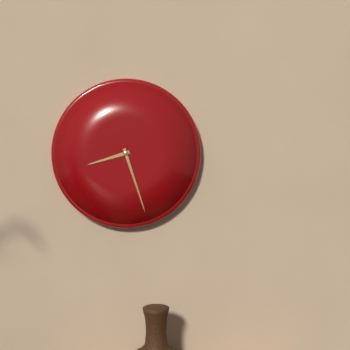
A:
8h27
